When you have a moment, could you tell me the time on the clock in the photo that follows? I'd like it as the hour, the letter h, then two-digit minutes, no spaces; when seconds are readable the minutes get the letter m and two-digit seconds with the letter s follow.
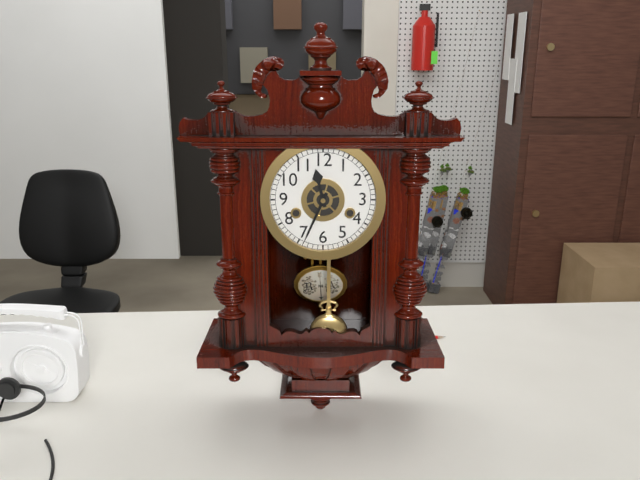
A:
11h34
